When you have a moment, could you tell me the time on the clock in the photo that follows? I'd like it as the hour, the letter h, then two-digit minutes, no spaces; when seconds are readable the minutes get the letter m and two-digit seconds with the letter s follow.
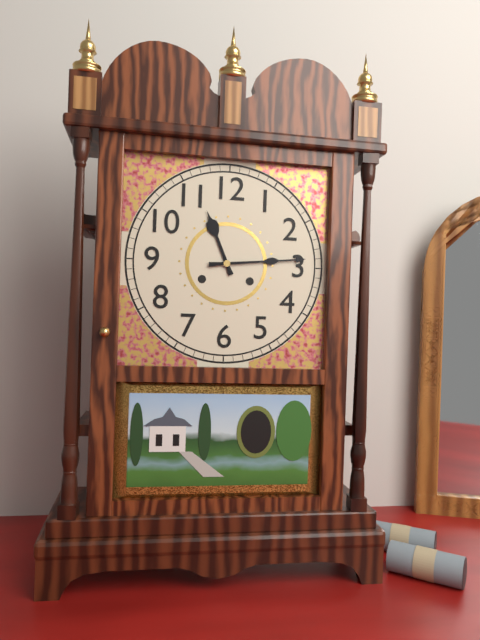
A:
11h14
